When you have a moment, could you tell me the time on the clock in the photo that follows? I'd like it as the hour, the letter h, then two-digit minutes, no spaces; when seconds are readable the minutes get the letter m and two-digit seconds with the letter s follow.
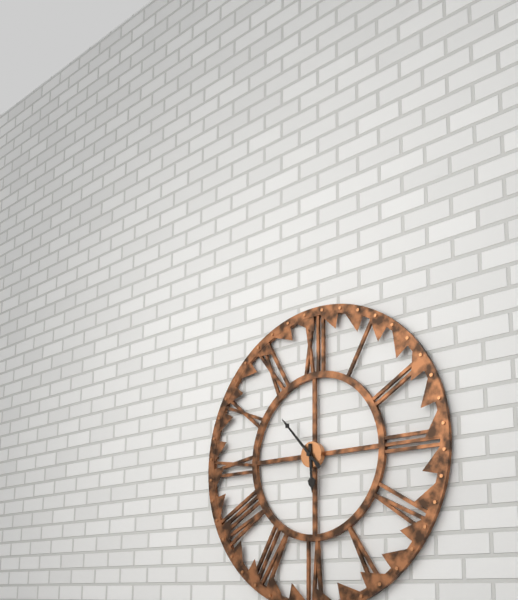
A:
5h53
